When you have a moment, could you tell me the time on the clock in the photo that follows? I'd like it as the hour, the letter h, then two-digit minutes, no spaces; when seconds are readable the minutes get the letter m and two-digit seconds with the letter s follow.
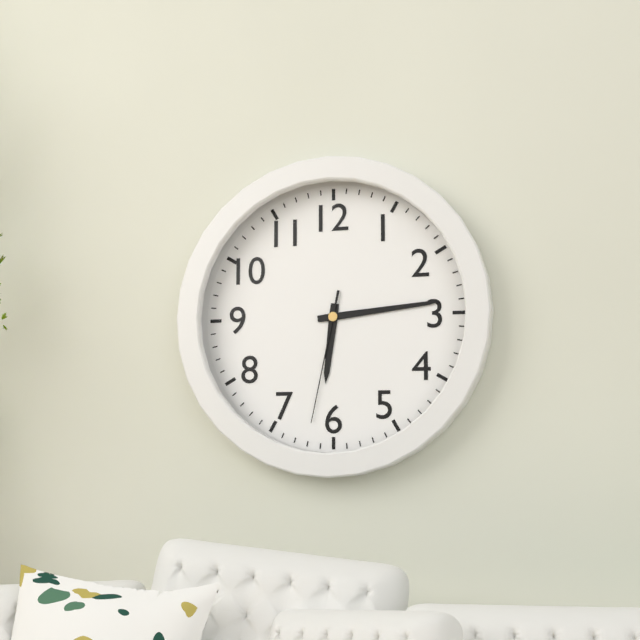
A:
6h14m32s
